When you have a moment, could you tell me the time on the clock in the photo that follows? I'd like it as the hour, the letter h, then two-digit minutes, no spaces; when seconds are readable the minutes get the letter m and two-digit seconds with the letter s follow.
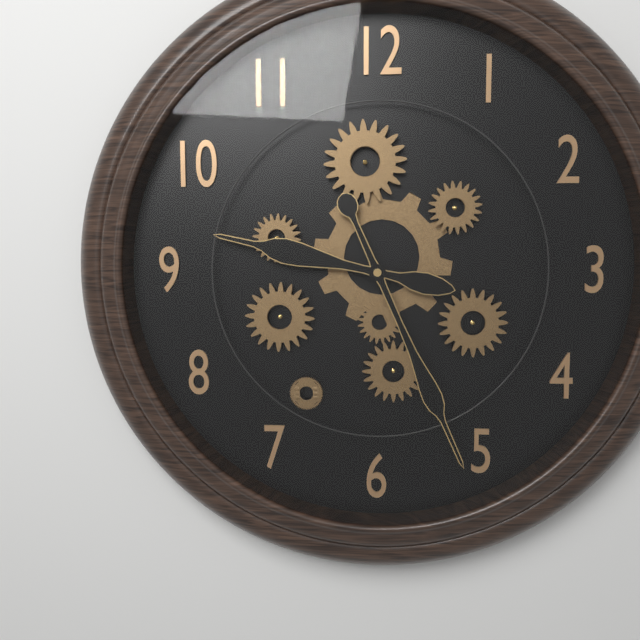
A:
9h26
